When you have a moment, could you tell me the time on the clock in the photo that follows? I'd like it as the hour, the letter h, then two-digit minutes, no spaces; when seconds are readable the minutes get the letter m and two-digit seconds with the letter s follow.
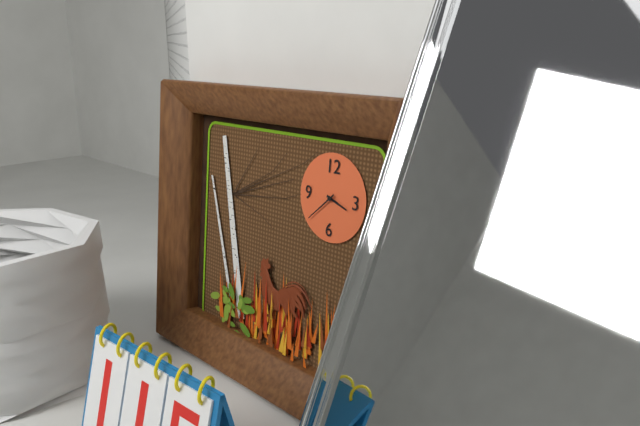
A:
3h38
